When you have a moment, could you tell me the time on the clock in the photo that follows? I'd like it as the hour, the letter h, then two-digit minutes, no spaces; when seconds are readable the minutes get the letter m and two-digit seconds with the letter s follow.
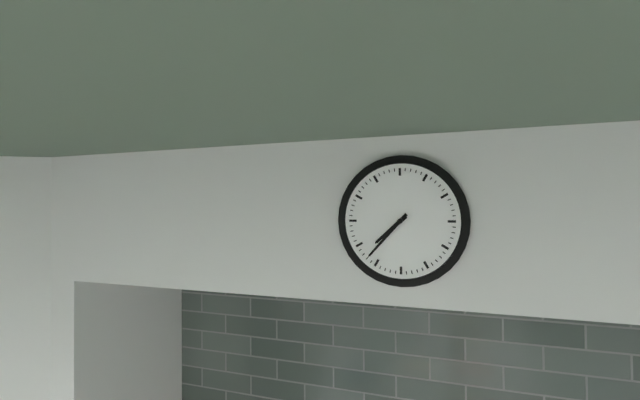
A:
7h37
